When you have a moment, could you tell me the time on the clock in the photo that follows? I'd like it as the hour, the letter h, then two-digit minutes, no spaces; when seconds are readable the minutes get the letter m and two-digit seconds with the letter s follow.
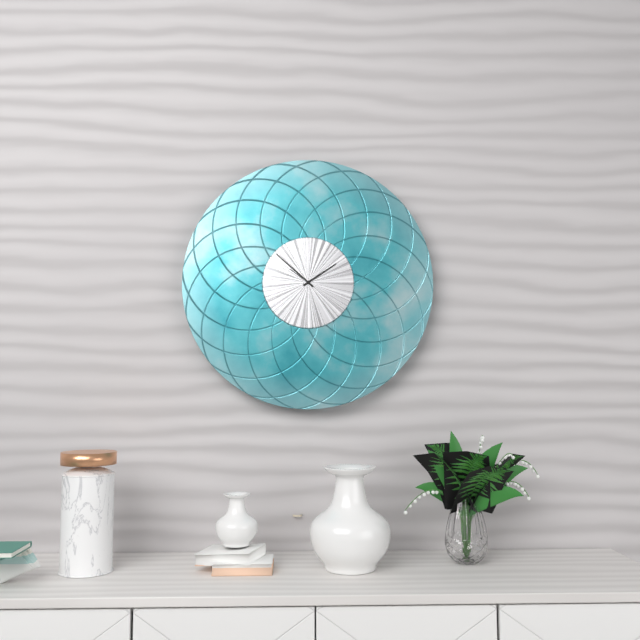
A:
1h52
